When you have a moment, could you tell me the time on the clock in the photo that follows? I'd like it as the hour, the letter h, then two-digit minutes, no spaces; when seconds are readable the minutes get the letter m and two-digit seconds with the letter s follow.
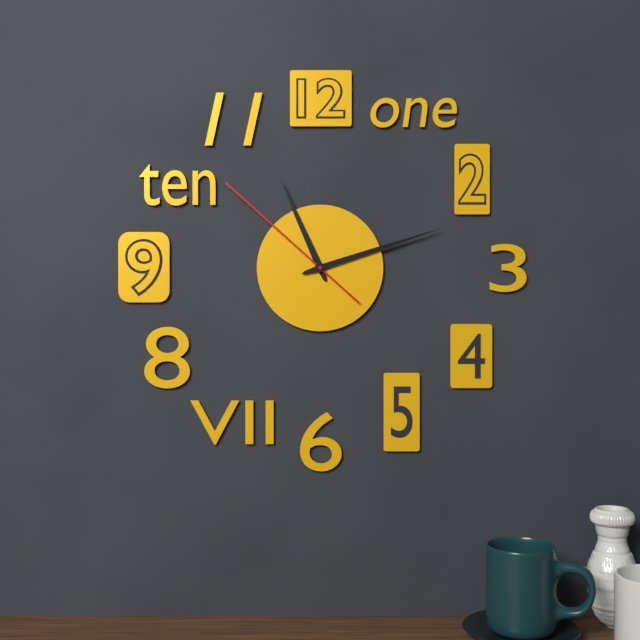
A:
11h12m52s
